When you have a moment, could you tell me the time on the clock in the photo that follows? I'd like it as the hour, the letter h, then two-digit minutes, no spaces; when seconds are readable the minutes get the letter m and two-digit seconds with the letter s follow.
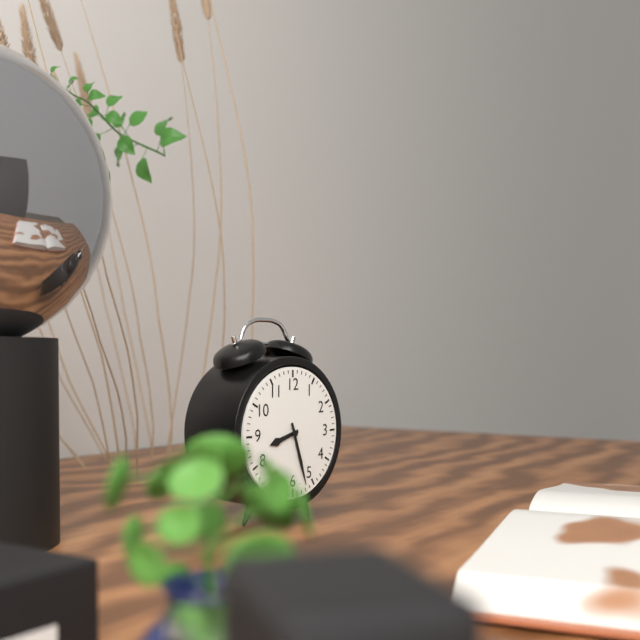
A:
8h27
